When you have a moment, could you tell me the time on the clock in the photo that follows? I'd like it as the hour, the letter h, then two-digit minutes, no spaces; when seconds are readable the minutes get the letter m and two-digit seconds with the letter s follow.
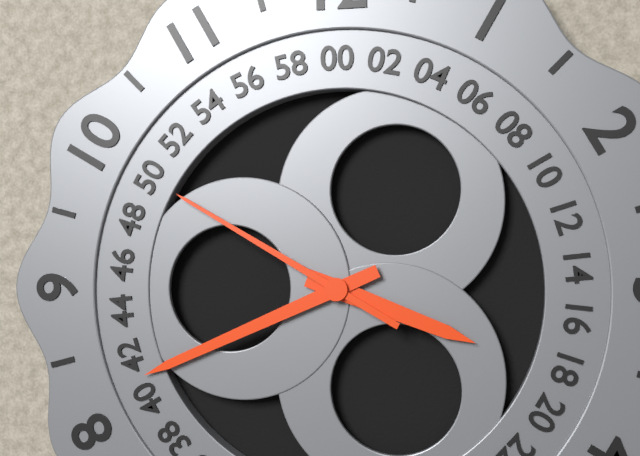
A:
3h41m50s
